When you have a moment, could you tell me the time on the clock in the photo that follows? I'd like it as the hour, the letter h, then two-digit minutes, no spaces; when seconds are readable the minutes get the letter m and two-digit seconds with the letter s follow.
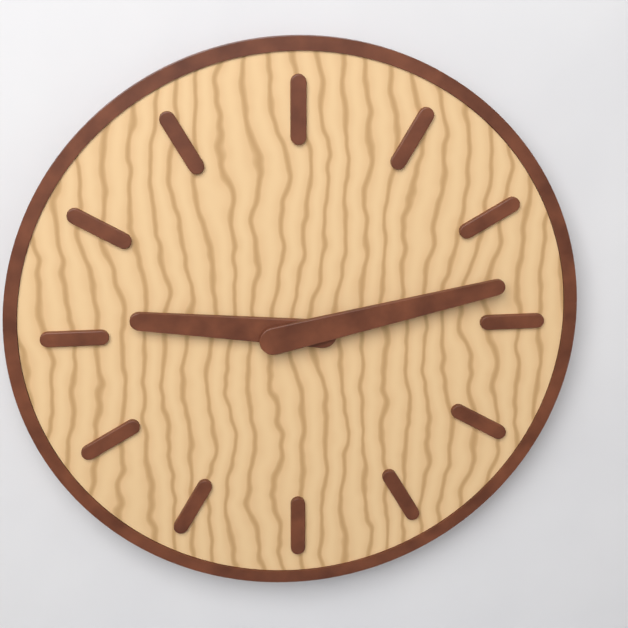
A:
9h13
